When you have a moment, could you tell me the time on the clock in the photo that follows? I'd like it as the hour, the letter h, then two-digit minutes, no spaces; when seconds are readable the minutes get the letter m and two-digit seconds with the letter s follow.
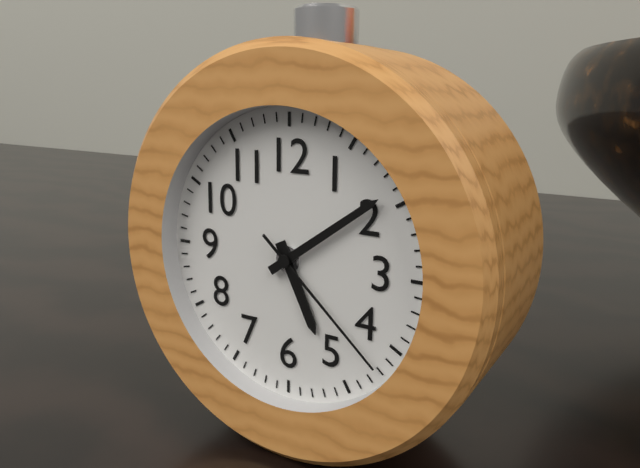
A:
5h09m22s
